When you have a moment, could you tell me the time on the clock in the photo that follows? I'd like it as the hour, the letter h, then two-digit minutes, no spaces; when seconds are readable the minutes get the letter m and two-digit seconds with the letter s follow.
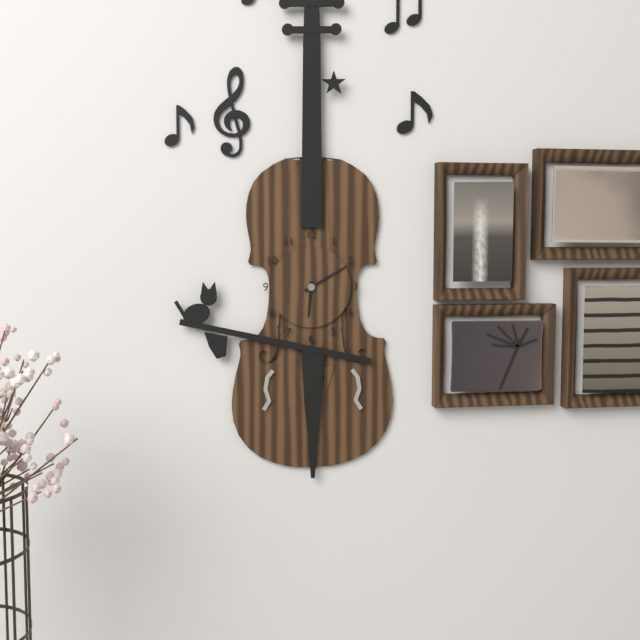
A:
6h10
